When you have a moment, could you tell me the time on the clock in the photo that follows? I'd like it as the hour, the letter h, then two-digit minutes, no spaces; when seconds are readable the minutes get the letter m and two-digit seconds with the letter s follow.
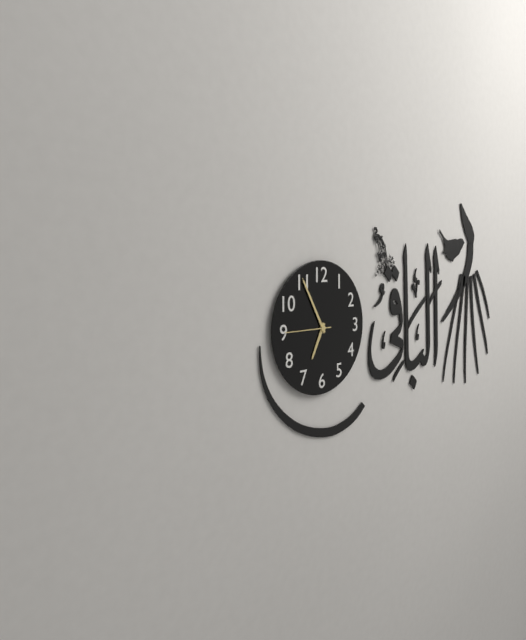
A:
6h55
